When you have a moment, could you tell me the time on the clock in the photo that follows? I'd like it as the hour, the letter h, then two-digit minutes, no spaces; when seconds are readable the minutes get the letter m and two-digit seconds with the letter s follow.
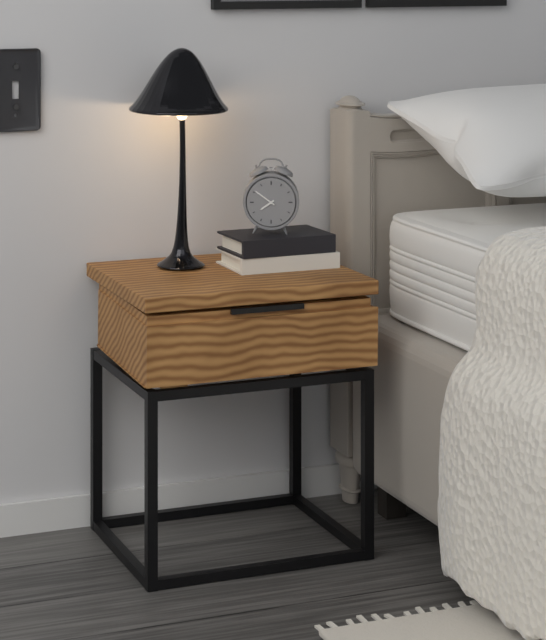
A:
7h51
